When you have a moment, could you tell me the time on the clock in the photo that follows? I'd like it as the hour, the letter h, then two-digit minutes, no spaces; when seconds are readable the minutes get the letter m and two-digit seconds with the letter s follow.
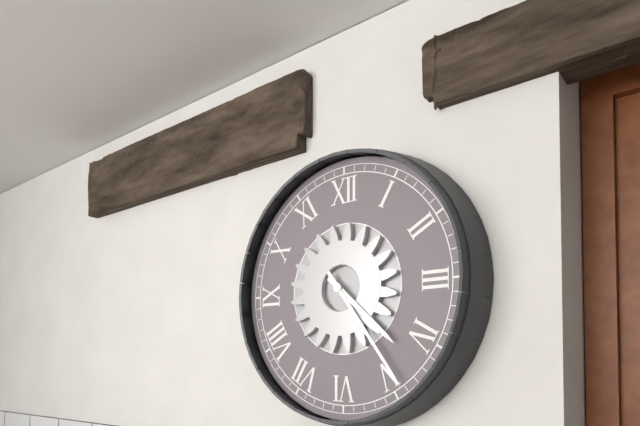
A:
4h24
